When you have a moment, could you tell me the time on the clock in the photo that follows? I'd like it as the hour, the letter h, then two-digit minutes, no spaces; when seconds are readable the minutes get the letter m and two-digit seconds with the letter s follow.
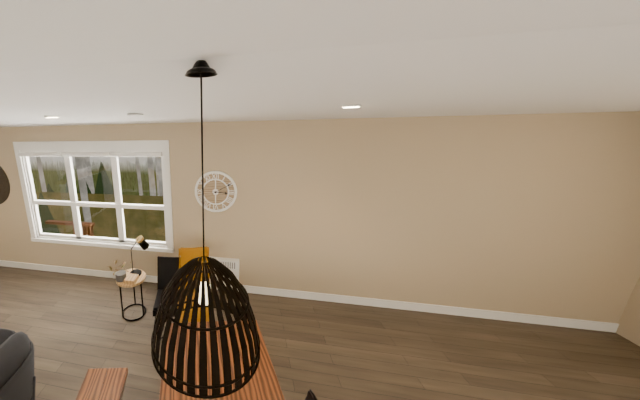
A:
3h10
